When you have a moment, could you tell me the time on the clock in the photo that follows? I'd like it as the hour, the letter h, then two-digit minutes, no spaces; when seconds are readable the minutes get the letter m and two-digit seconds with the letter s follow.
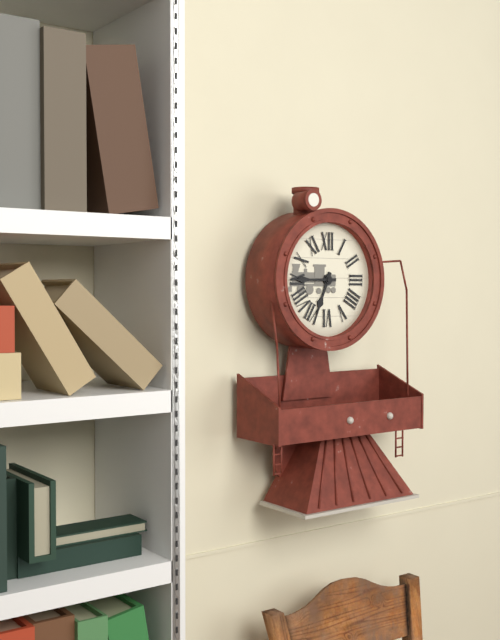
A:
6h45
